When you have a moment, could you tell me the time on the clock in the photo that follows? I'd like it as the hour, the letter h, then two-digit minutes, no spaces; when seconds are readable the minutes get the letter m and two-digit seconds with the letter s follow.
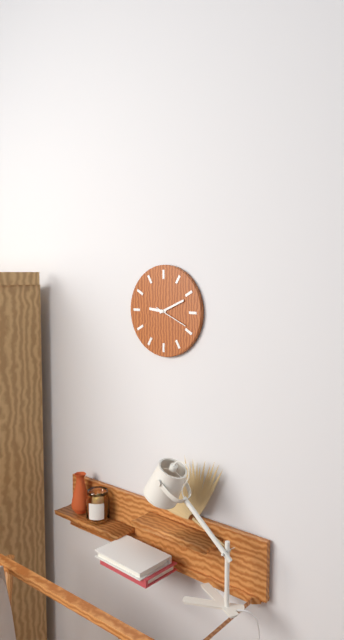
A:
9h11
